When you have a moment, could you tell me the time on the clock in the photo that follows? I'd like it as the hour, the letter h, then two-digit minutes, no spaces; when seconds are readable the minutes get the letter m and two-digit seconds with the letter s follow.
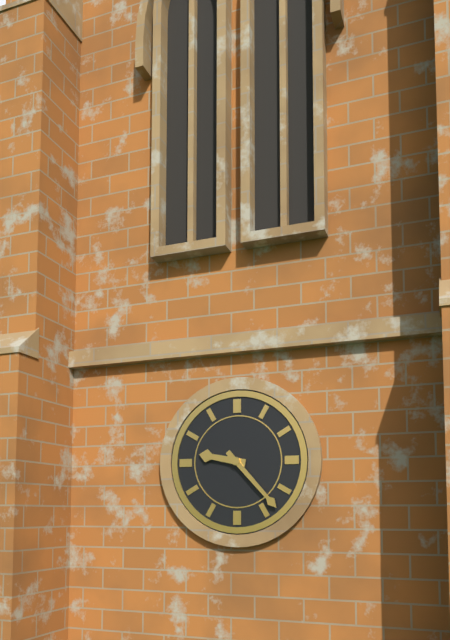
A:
9h23
